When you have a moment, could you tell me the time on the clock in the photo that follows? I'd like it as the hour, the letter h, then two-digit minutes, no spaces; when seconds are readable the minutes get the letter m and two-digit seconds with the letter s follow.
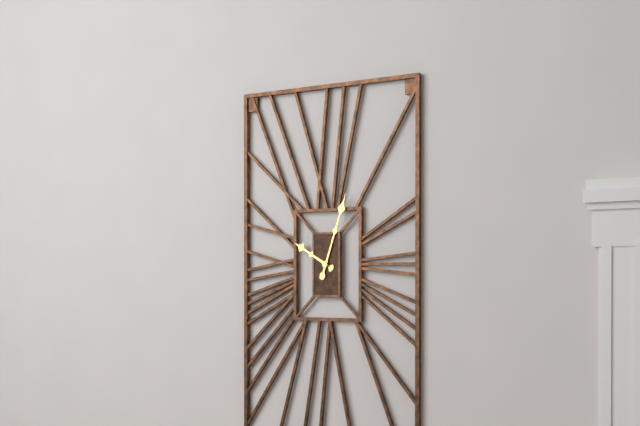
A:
10h03
